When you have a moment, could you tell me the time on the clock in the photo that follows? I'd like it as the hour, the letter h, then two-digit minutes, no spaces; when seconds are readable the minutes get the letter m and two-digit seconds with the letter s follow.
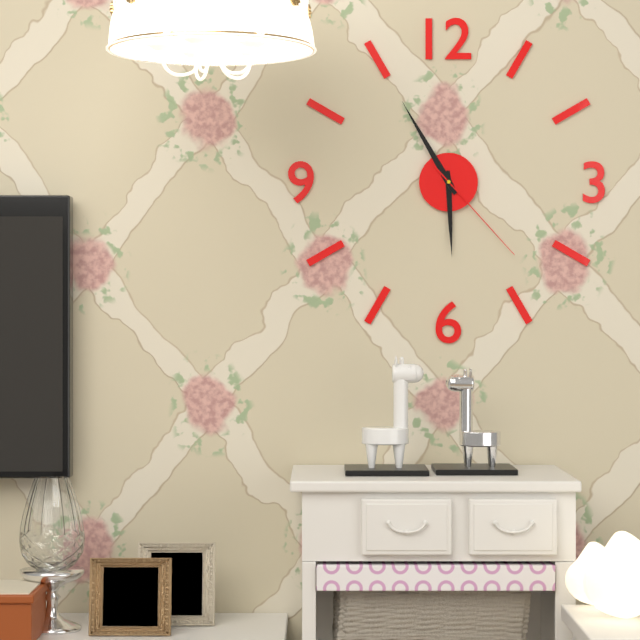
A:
5h55m23s
